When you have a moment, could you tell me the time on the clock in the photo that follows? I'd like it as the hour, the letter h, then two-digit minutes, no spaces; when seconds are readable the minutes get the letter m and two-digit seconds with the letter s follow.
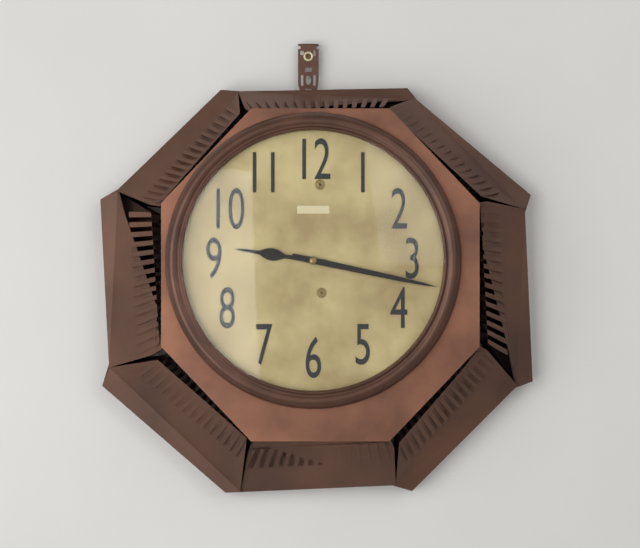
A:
9h17
